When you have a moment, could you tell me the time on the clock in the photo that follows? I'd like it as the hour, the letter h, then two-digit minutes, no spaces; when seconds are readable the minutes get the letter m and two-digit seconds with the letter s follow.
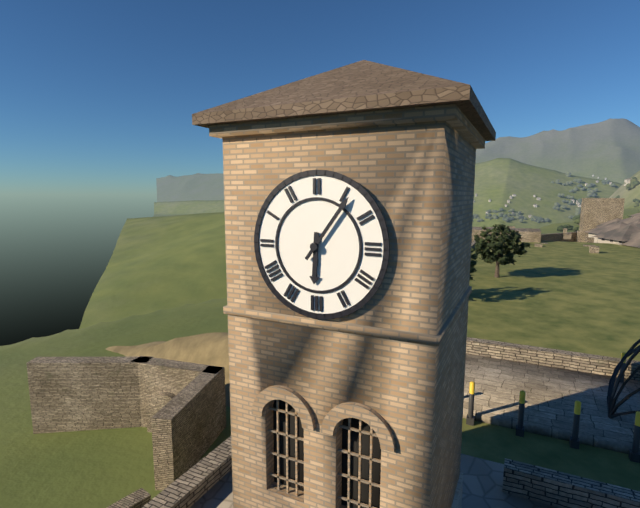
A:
6h06
